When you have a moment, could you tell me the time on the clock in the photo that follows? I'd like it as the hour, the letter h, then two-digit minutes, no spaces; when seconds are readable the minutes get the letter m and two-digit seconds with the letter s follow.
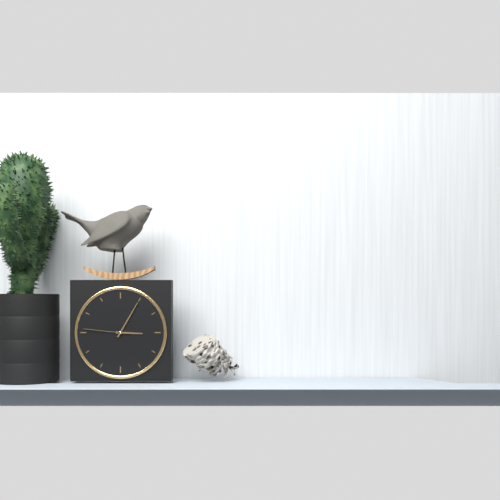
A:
3h05
